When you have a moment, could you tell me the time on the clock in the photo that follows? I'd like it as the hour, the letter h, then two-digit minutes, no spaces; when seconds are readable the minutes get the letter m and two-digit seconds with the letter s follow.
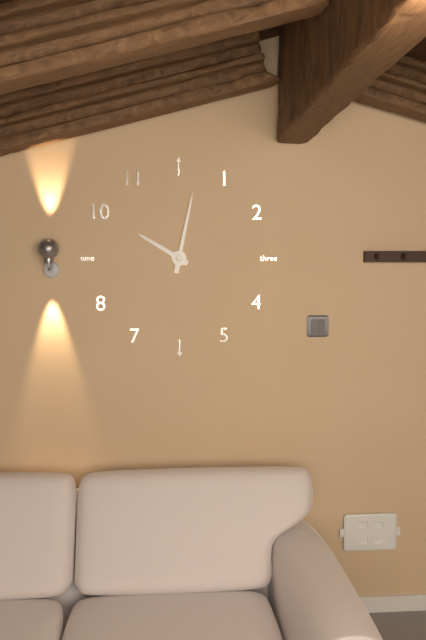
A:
10h02
